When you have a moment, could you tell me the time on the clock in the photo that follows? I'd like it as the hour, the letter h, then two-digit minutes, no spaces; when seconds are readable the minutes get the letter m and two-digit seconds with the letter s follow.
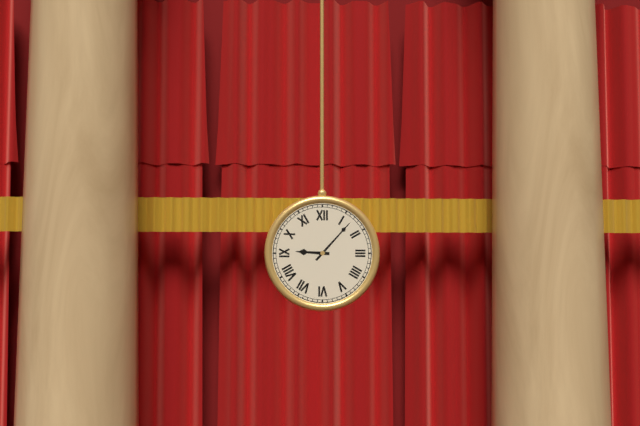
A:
9h07
